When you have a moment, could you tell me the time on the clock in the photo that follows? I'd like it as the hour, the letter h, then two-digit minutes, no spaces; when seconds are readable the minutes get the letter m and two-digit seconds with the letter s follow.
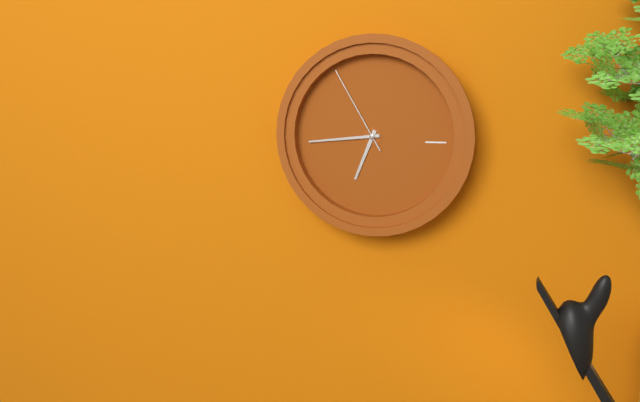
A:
6h44m55s
